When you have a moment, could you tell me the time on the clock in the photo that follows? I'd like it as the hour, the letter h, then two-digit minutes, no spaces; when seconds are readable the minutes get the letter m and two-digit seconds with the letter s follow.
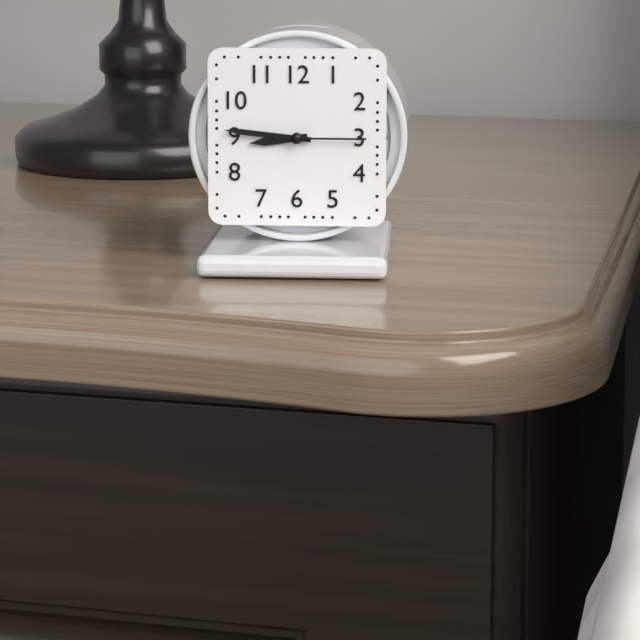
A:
8h46m15s
